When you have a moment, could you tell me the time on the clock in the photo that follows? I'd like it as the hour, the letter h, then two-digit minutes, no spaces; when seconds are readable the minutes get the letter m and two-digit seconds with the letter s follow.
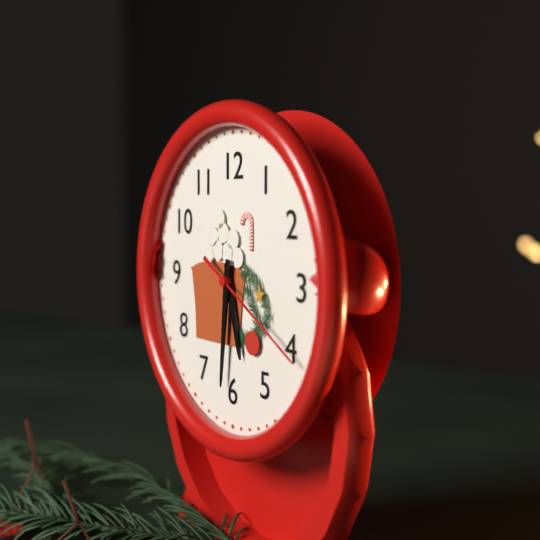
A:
5h31m20s
